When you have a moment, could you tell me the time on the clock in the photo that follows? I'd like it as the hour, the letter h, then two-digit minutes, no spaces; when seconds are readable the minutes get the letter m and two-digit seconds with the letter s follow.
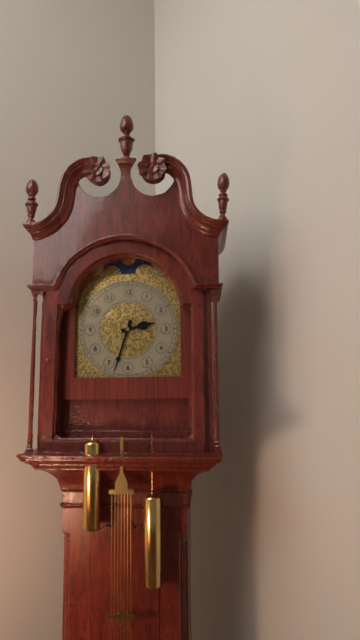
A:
2h33
